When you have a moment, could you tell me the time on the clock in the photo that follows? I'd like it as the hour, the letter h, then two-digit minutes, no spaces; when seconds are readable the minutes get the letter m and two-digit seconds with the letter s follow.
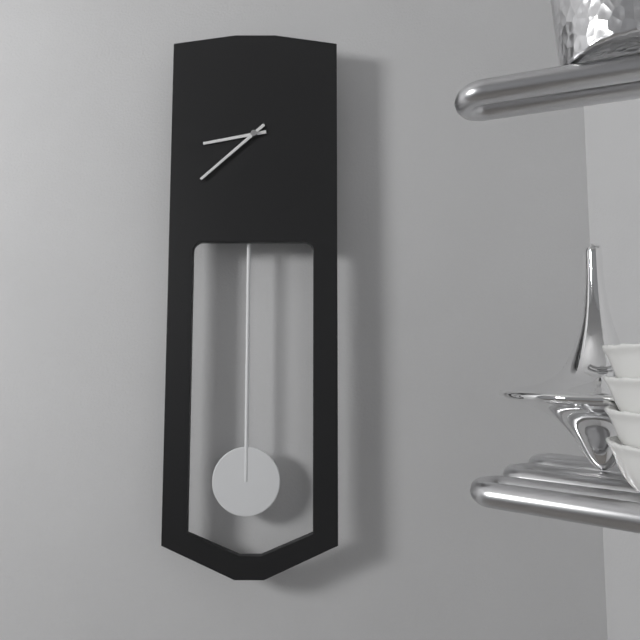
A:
8h38
